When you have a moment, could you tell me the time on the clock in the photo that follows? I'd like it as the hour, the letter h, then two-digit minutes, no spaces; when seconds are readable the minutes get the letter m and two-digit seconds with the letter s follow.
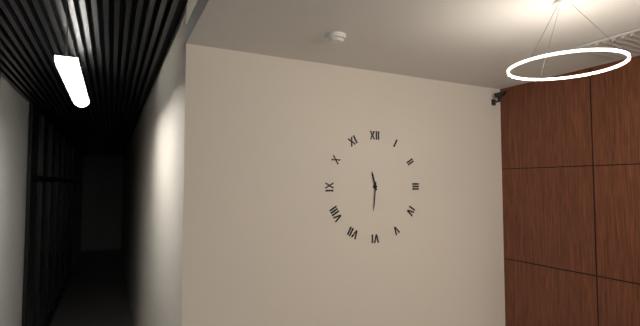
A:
11h31
